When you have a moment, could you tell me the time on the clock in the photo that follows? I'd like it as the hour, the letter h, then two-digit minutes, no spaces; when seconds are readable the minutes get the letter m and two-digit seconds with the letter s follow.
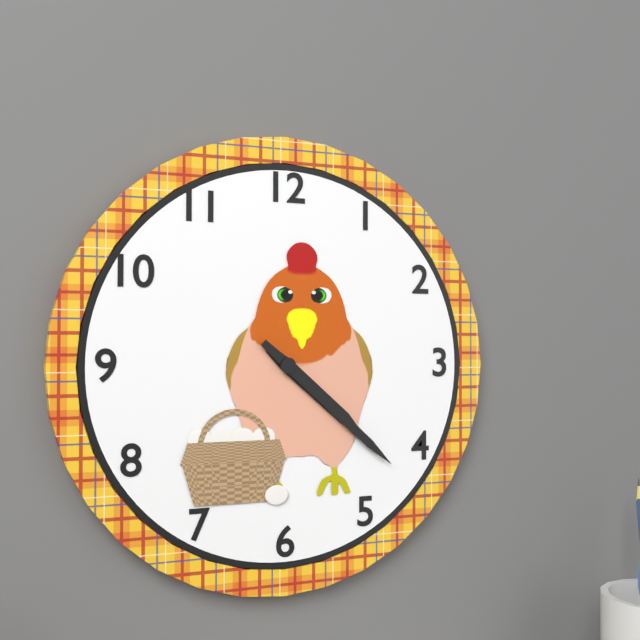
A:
4h22
